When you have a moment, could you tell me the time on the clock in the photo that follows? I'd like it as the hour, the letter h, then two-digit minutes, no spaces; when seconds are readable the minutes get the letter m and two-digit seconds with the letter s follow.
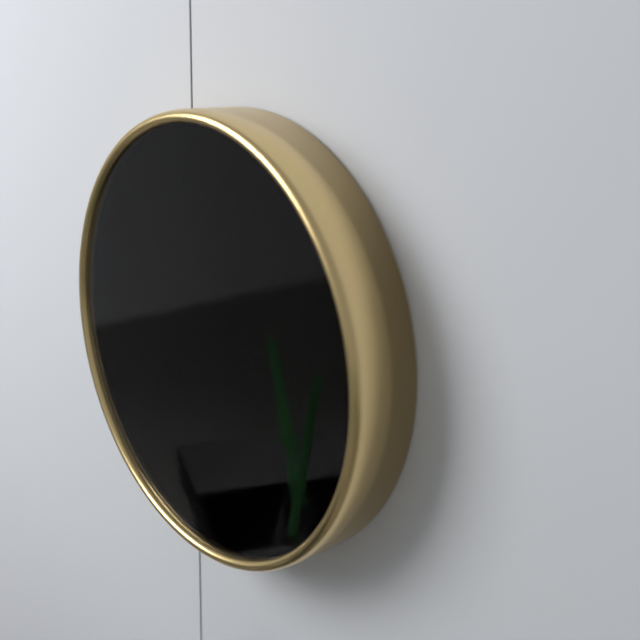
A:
6h10
